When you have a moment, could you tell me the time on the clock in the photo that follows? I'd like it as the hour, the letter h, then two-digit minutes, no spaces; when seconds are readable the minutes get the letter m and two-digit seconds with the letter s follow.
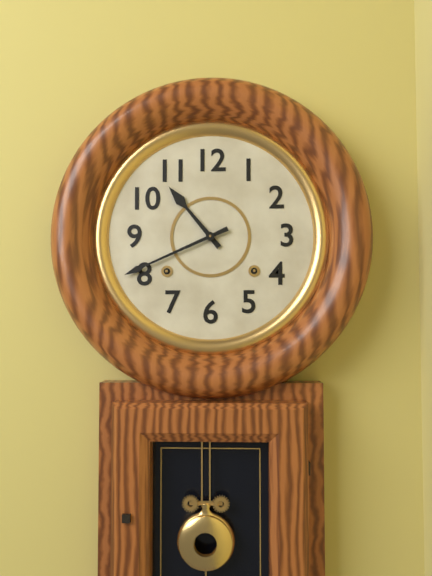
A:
10h41
